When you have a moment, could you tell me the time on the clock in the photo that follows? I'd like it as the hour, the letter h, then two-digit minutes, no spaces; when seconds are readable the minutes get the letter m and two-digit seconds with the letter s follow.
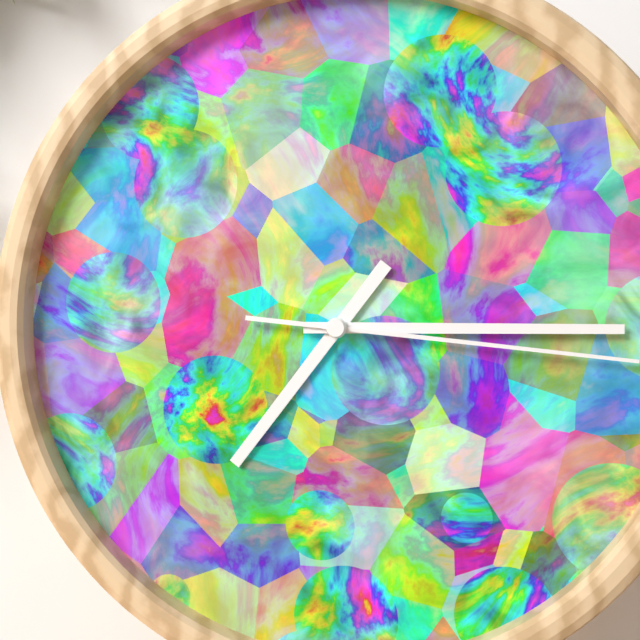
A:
7h15m16s
